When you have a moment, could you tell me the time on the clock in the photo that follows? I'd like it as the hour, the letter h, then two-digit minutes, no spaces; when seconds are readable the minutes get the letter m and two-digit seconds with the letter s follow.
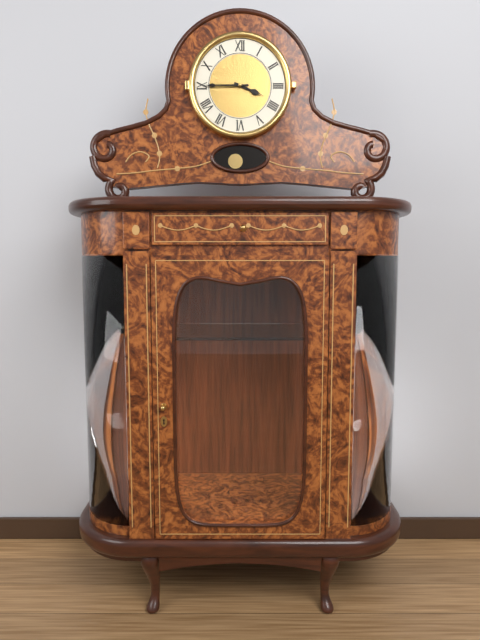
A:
3h45
